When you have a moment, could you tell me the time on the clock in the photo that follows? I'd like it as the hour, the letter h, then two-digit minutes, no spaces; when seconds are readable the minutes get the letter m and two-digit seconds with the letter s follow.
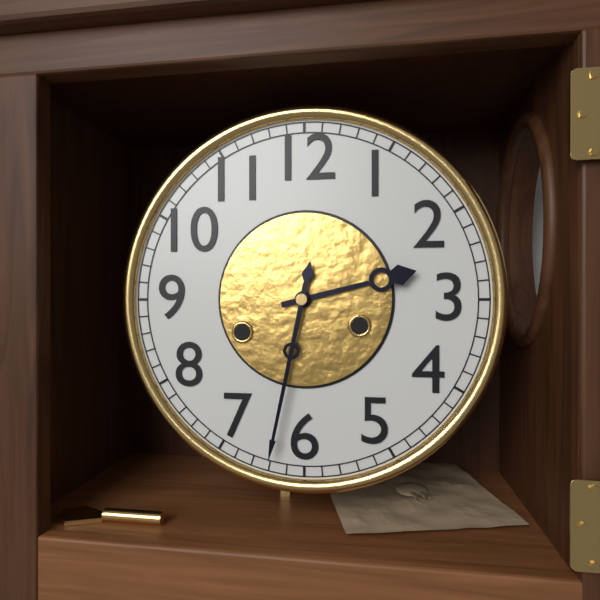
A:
2h32
